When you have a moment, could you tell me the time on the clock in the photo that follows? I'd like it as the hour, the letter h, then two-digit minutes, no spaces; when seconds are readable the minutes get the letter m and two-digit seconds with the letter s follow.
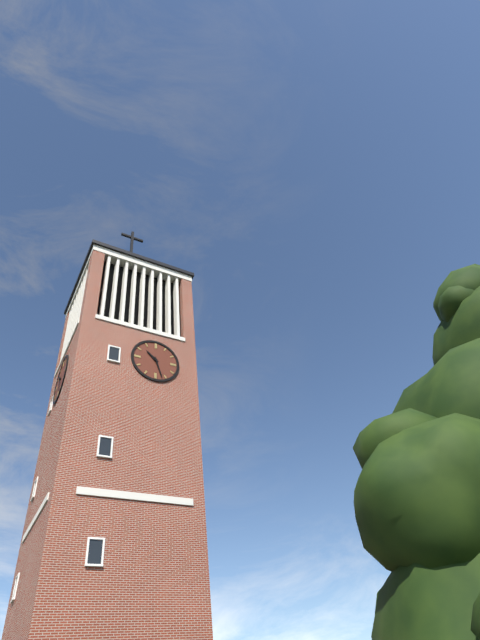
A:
10h27
